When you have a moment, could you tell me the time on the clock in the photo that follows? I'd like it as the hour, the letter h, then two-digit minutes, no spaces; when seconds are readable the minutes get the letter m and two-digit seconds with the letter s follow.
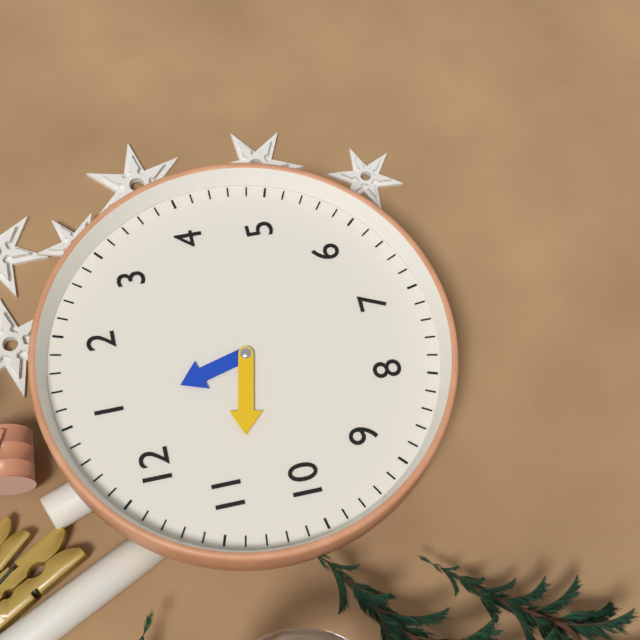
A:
12h54
